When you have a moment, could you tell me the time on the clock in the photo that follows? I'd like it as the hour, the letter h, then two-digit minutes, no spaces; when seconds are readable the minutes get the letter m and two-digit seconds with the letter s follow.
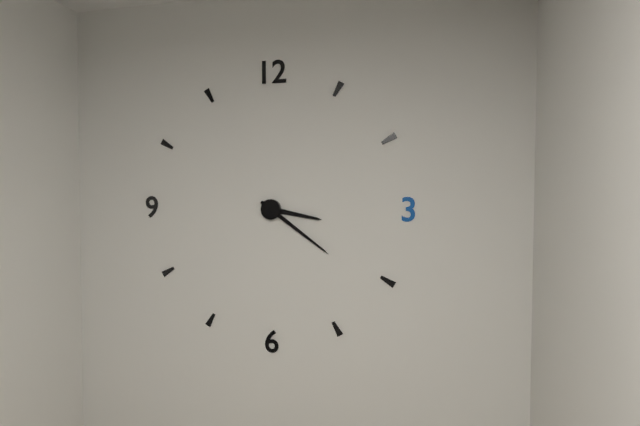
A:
3h21
